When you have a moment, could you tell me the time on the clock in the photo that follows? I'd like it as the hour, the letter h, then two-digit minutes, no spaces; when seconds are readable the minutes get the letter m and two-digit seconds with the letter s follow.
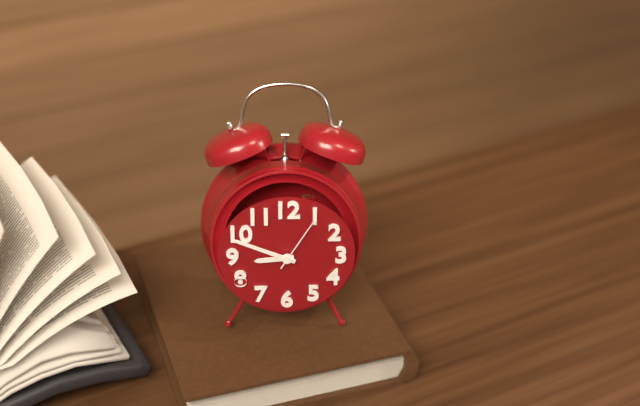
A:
8h49m05s
